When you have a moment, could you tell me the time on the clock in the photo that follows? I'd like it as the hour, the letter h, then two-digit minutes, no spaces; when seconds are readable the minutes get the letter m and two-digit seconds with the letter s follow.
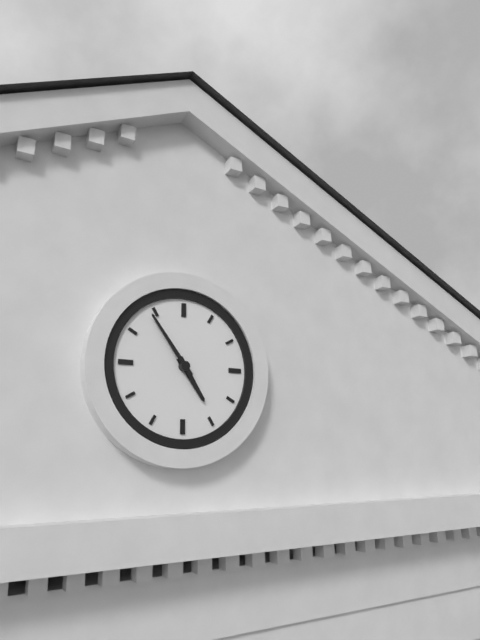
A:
4h54
